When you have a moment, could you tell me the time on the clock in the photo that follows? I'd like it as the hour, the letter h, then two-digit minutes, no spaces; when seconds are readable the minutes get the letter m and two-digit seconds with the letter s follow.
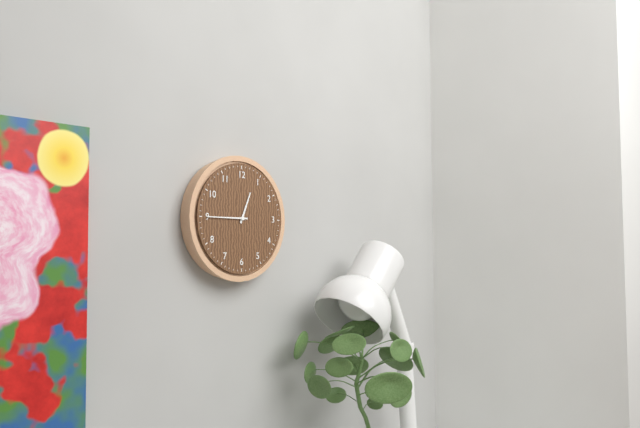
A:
12h45
